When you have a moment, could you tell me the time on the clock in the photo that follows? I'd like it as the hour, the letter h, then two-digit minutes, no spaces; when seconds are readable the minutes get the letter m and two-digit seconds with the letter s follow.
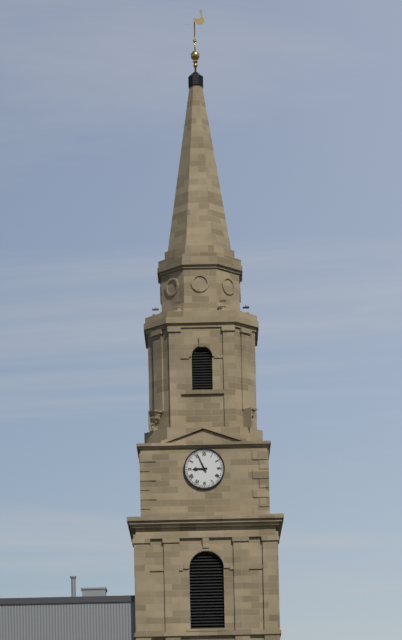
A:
8h56
